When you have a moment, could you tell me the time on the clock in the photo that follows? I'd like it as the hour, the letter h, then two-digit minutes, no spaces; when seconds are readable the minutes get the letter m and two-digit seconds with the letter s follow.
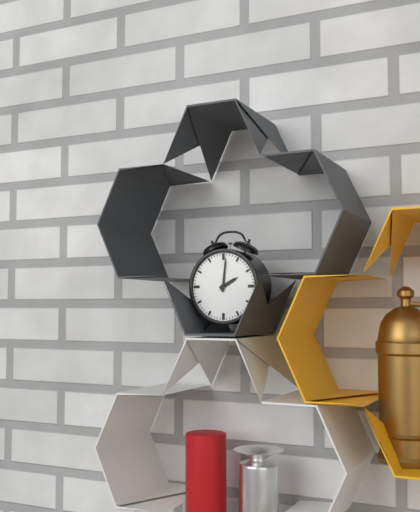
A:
2h01
